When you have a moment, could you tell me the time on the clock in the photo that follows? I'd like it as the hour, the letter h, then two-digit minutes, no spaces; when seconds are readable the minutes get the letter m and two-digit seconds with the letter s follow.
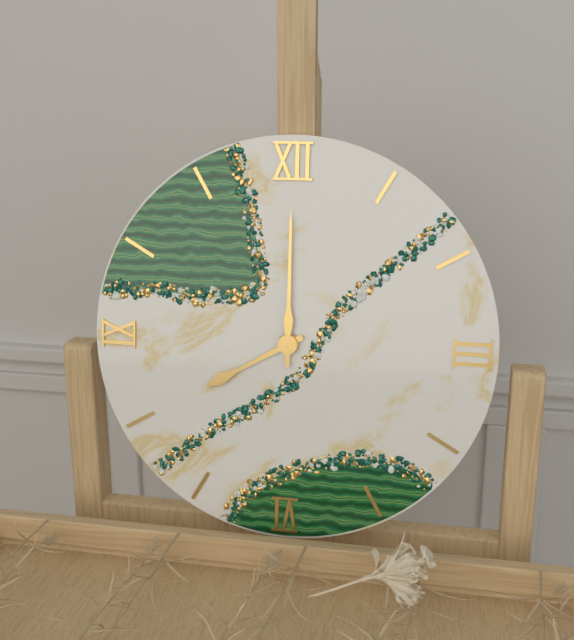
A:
8h00
